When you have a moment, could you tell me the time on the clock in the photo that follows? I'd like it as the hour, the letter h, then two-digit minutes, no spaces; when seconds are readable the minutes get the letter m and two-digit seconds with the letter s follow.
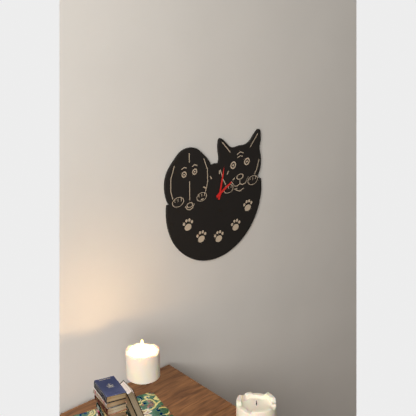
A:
2h02
